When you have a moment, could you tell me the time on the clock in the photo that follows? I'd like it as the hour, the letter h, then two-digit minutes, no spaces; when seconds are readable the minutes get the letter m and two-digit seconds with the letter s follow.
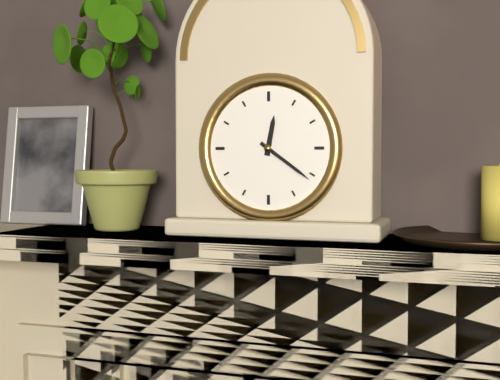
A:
12h21
